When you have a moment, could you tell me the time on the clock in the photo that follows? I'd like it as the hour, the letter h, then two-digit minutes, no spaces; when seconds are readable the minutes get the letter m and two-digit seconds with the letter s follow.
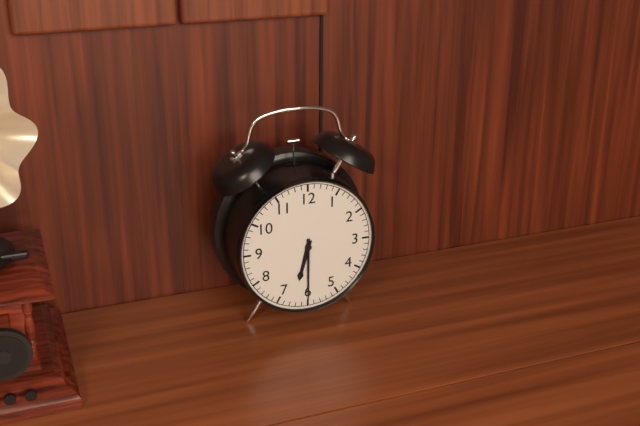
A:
6h30
